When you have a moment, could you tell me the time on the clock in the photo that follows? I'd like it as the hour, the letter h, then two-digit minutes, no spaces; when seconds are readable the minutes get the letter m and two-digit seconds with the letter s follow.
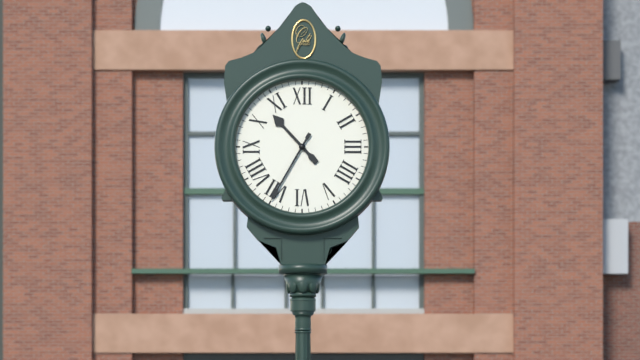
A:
10h35
